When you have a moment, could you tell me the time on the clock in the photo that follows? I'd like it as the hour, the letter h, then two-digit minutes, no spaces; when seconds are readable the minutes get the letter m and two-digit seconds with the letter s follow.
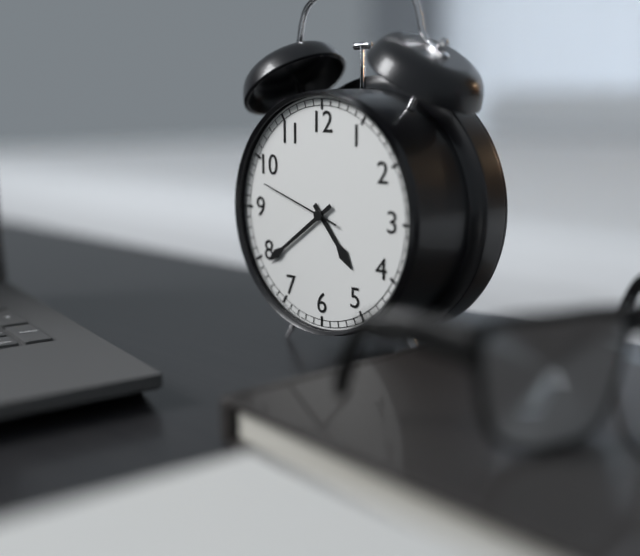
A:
4h39m48s
